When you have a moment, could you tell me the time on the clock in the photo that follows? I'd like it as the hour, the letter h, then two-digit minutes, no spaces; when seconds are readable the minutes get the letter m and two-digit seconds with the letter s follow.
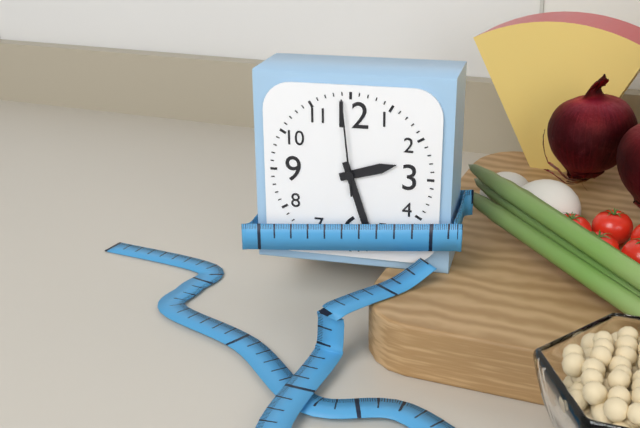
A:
2h27m59s
